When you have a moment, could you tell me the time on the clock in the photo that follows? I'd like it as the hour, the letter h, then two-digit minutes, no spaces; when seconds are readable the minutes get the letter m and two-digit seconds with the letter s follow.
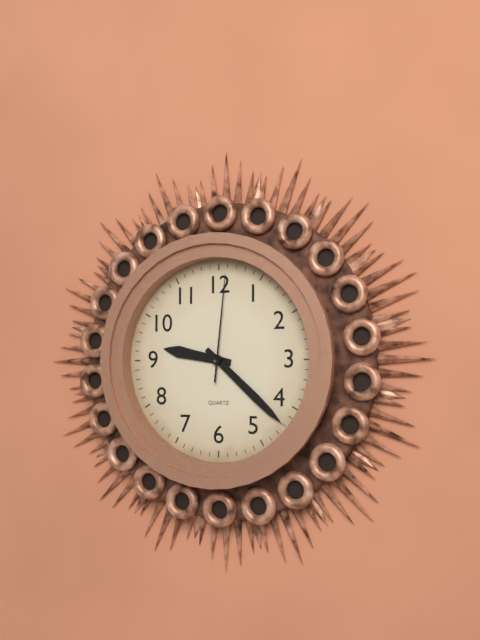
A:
9h22m01s
